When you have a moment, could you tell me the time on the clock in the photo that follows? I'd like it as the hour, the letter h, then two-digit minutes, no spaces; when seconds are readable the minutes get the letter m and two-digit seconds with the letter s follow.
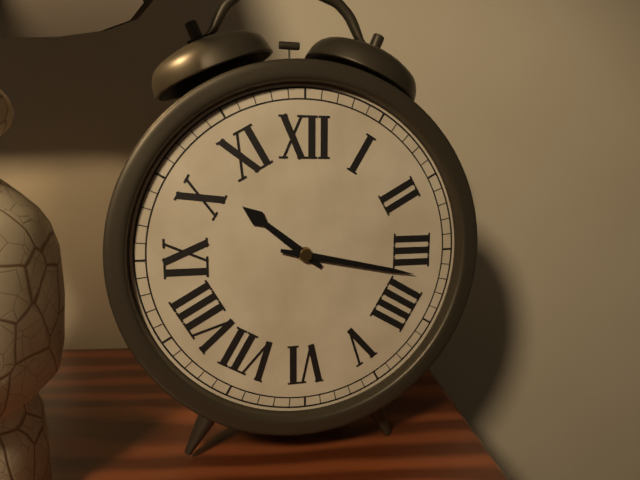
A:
10h17
